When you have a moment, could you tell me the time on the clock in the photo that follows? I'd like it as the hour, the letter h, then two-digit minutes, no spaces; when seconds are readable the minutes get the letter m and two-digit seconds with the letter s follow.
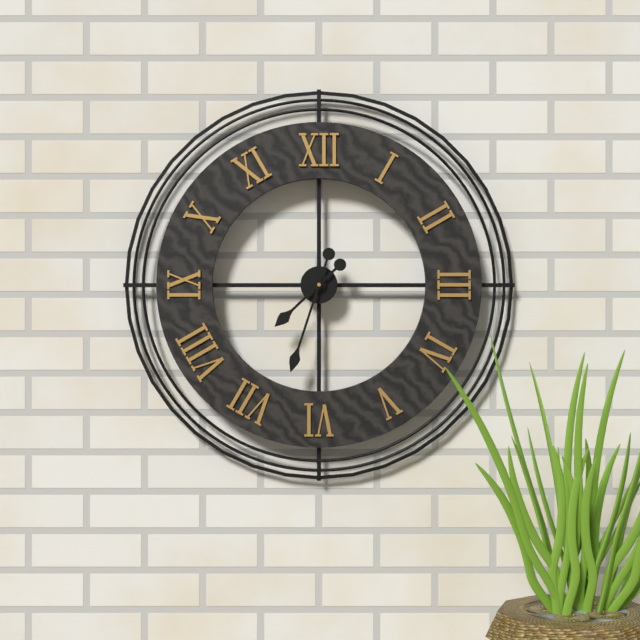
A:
7h33
